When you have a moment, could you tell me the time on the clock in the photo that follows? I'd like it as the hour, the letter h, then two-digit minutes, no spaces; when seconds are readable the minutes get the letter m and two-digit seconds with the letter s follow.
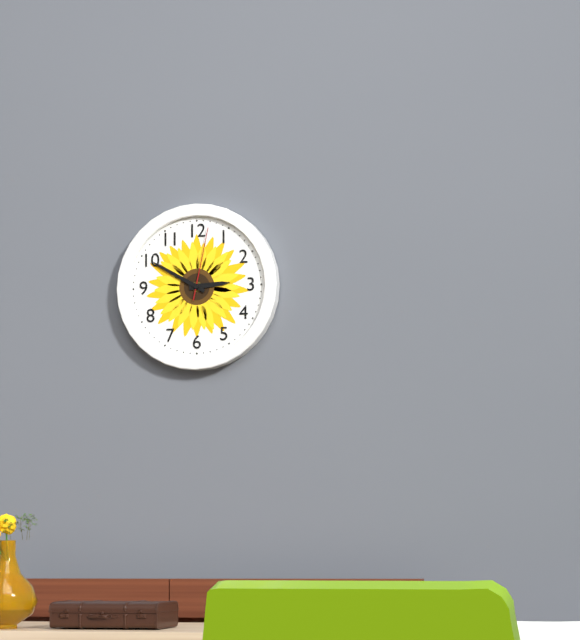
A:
2h50m02s
